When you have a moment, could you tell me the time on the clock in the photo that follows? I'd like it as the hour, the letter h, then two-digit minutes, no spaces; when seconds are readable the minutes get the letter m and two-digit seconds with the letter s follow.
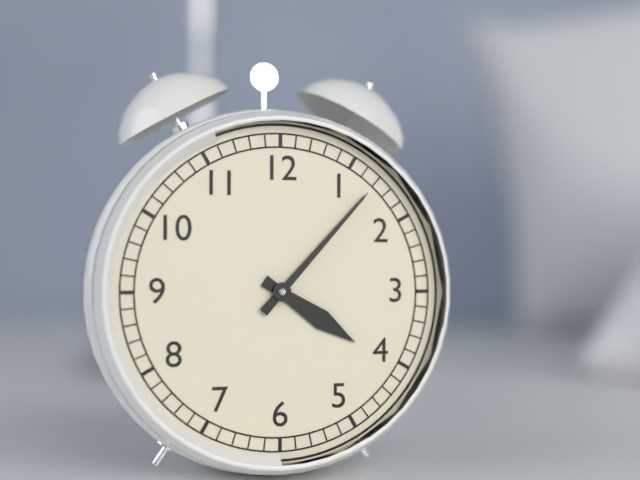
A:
4h07
